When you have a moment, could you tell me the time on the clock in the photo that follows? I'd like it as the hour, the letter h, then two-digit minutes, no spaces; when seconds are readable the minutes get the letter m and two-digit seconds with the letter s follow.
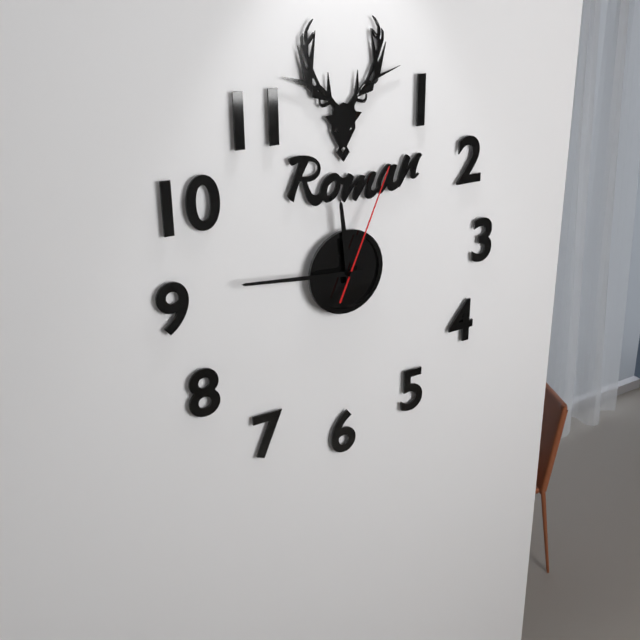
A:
11h46m04s
